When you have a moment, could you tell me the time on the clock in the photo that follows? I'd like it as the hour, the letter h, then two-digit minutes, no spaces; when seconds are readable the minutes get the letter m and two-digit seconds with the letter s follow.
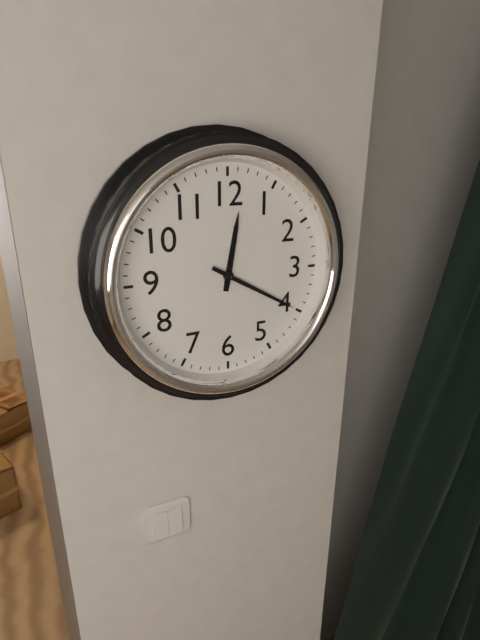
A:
12h20
